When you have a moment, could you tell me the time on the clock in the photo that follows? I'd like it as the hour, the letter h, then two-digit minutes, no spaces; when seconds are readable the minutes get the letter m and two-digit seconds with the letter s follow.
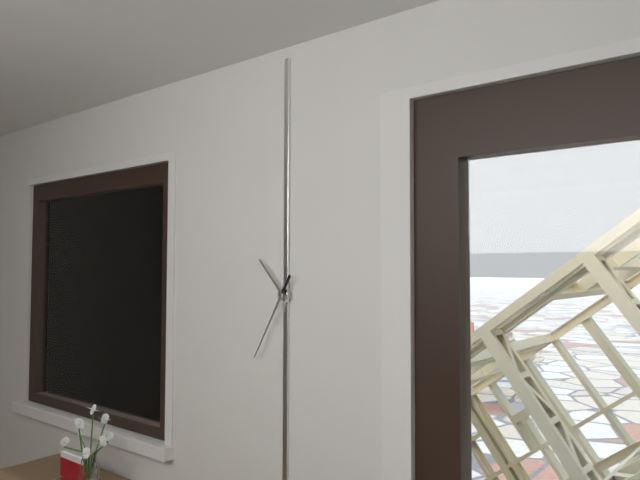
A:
10h35
